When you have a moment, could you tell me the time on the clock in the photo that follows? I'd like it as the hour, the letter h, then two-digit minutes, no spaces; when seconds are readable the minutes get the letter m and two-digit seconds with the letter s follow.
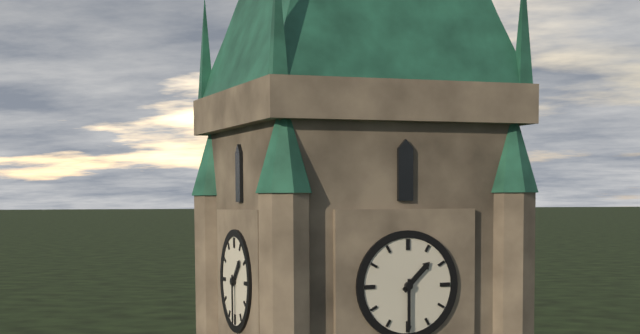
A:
1h30
